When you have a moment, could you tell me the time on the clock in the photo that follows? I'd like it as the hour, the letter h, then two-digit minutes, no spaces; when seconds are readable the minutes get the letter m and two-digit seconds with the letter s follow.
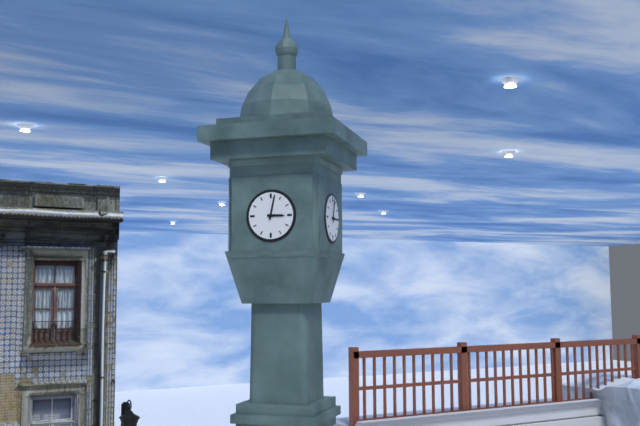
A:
3h02
